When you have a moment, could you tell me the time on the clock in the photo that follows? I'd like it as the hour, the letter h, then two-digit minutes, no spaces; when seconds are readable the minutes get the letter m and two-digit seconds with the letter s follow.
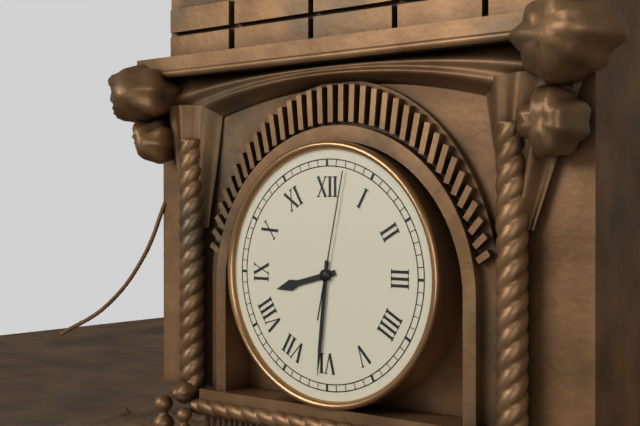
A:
8h31m02s
